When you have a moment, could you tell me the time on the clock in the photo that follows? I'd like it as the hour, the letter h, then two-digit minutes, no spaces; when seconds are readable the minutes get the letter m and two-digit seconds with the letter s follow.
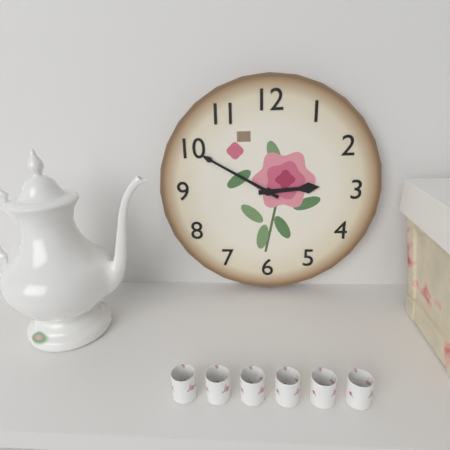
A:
2h50
